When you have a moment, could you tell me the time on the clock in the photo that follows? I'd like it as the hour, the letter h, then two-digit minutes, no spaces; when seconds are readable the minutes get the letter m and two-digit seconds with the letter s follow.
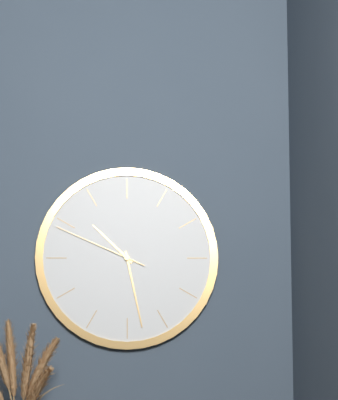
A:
10h28m49s
